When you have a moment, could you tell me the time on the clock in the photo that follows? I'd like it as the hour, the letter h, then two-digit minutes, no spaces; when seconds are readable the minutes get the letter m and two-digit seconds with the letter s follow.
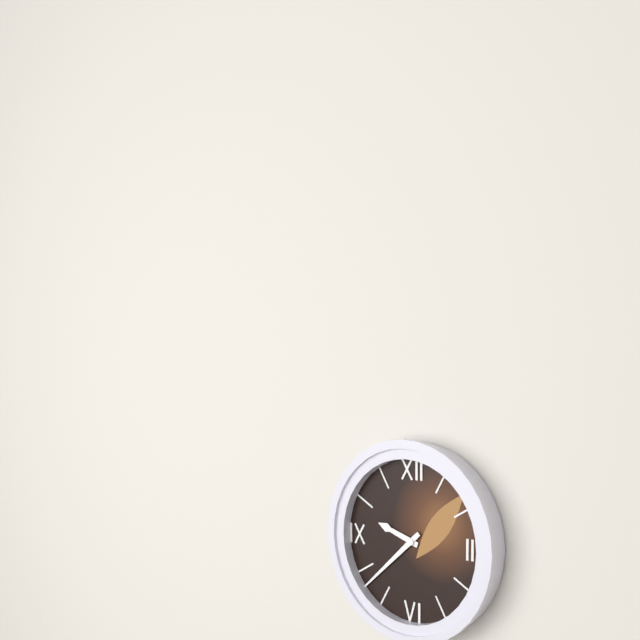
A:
9h38
